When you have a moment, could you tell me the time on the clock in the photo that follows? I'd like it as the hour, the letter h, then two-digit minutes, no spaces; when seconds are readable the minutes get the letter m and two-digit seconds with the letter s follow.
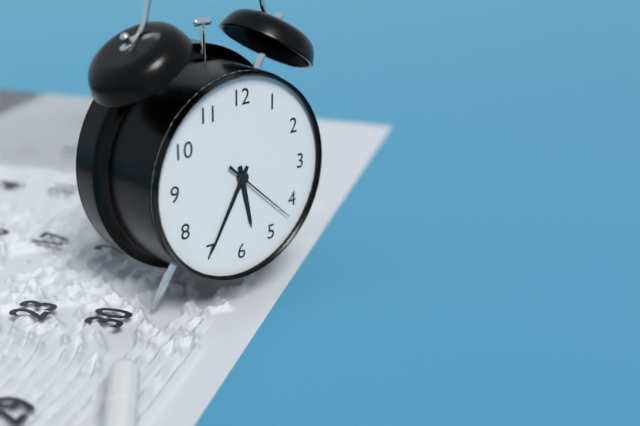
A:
5h35m22s
